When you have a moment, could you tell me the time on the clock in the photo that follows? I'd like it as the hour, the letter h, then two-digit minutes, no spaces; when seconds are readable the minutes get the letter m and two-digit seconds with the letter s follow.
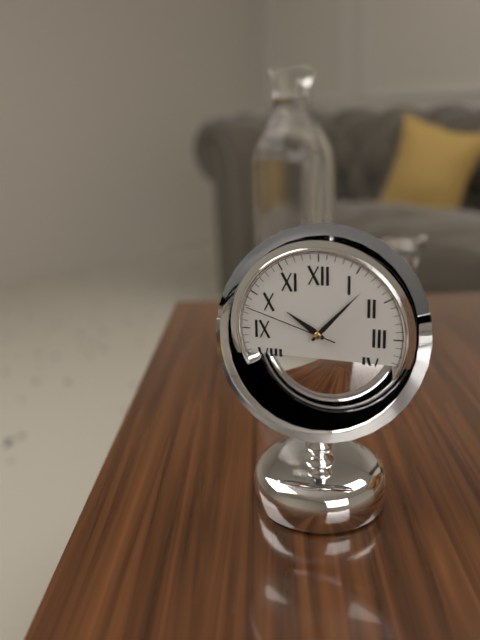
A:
10h07m48s
